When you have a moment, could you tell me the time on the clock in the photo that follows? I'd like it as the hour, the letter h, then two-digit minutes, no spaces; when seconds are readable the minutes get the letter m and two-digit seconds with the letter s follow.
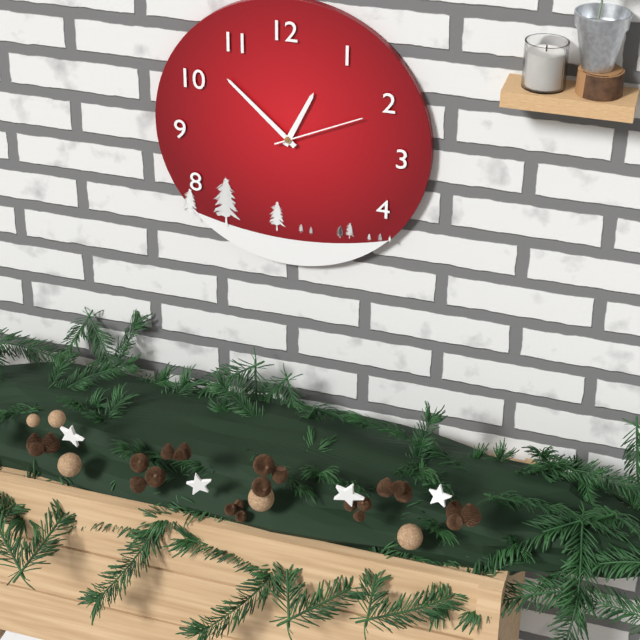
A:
12h52m11s
